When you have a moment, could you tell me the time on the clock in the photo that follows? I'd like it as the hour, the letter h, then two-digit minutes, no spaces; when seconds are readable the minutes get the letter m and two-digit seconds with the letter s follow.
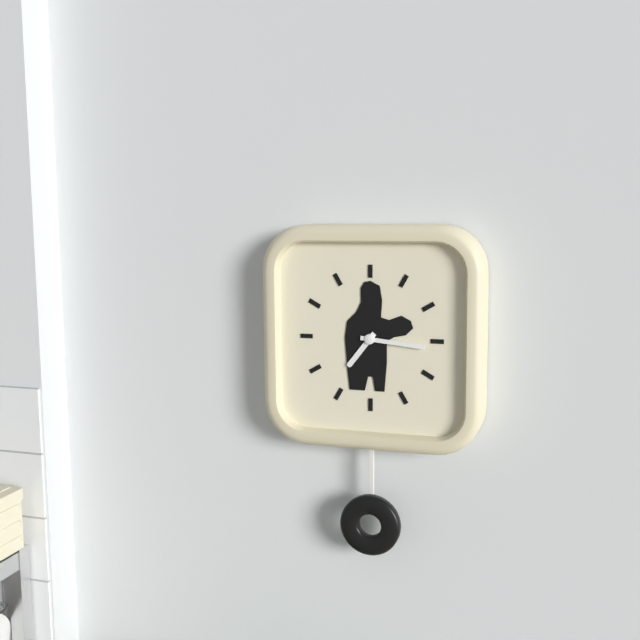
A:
7h16
